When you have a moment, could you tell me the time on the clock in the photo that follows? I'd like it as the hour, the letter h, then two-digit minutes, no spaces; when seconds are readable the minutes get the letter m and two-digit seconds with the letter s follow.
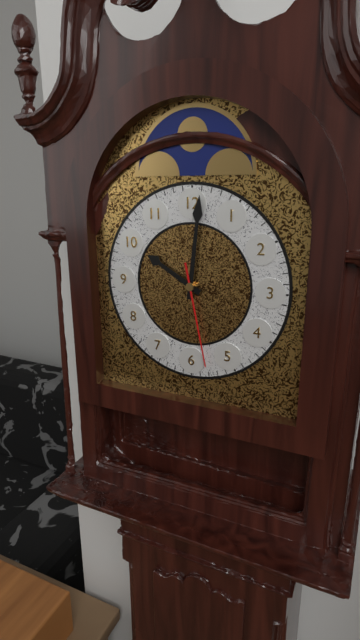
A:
10h01m28s
